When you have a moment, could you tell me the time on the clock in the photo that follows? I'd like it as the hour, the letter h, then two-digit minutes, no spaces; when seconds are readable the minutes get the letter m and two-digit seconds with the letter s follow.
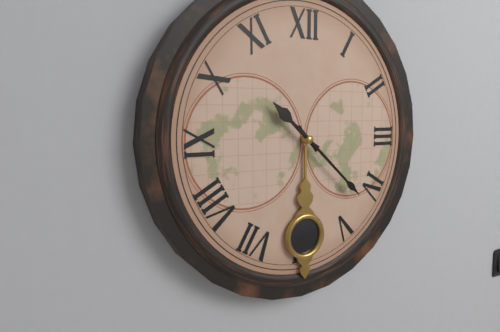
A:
10h22
